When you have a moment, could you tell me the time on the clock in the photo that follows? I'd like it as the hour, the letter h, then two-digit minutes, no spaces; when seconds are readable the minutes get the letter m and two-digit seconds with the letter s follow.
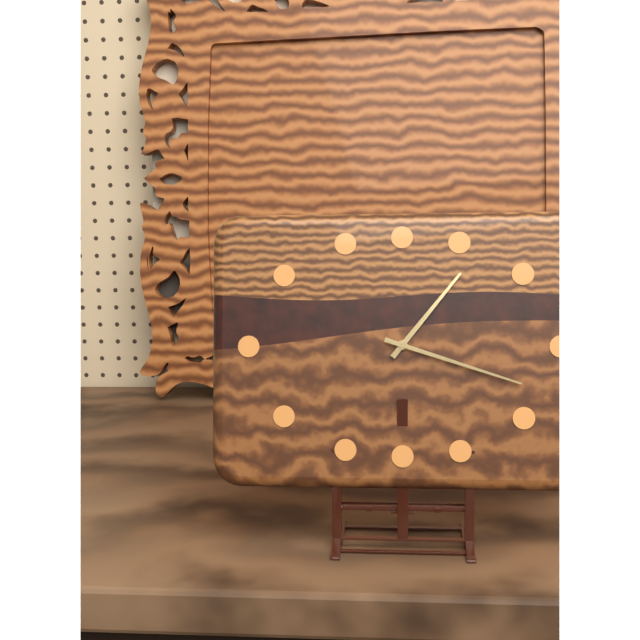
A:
1h18
